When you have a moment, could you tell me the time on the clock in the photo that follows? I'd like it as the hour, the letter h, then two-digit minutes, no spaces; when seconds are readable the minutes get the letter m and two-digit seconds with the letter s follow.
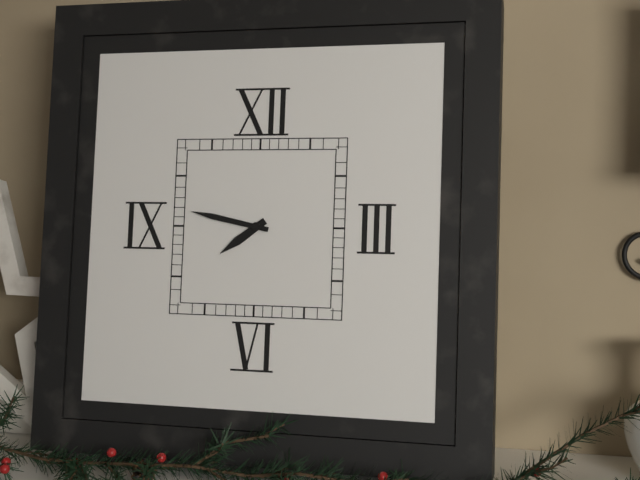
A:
7h47
